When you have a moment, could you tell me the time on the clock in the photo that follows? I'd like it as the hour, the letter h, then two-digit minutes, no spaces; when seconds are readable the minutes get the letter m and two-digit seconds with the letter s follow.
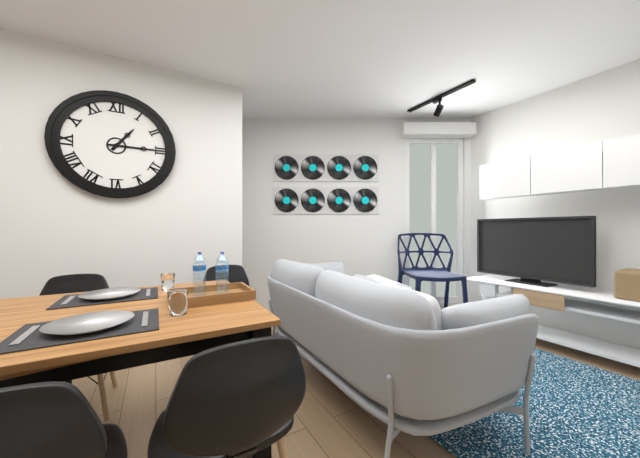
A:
1h15
